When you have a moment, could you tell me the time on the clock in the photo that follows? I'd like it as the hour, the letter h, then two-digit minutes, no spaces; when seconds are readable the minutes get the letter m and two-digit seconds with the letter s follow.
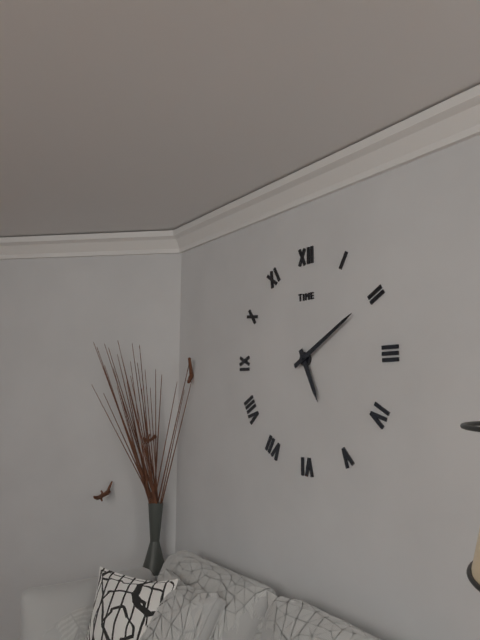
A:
5h10
